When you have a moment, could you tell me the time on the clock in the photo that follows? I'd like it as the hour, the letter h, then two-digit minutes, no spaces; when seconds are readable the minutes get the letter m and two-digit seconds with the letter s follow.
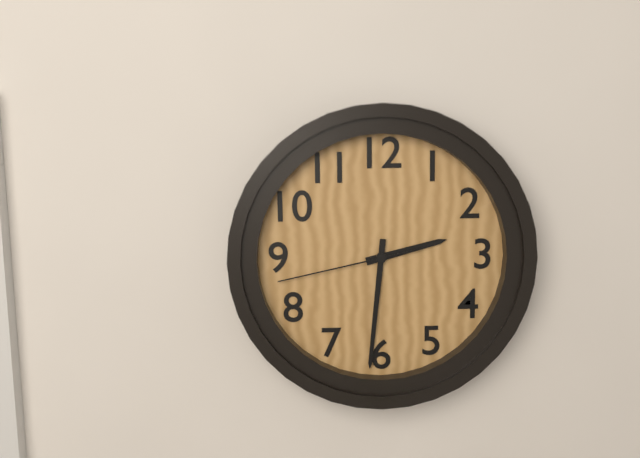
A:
2h31m43s
